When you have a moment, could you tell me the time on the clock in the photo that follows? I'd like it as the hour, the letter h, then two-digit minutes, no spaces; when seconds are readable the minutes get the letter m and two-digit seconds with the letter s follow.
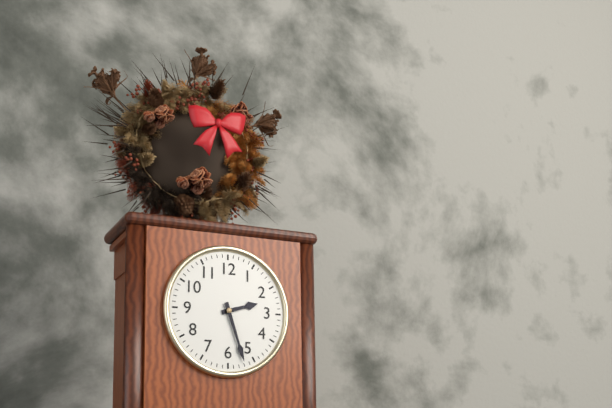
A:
2h27
